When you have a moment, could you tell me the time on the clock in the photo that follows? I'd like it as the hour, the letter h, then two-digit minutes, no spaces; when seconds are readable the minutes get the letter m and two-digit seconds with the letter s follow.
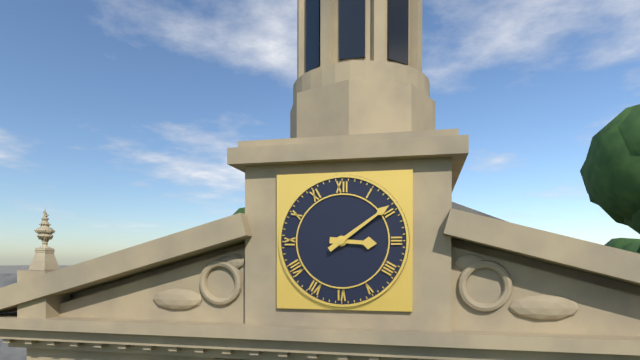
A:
3h09
